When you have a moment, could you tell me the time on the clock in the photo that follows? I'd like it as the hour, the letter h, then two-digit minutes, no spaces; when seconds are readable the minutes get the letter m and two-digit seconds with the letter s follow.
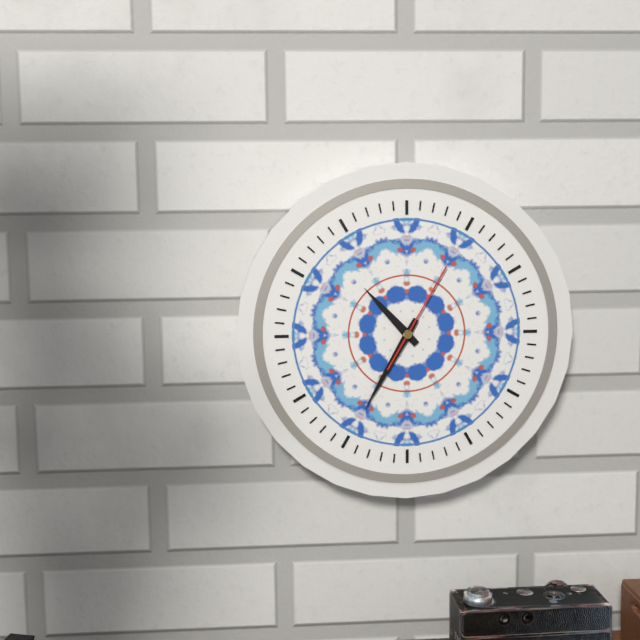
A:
10h35m05s
